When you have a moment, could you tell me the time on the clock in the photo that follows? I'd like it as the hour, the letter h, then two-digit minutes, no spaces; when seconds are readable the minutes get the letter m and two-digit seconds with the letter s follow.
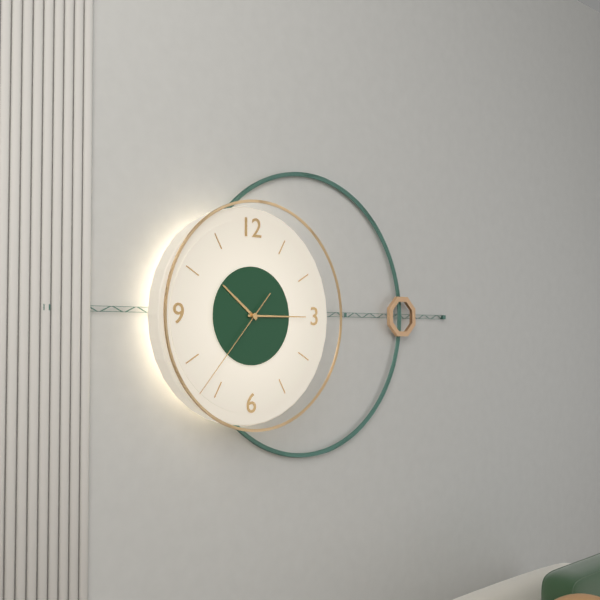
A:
10h15m37s
